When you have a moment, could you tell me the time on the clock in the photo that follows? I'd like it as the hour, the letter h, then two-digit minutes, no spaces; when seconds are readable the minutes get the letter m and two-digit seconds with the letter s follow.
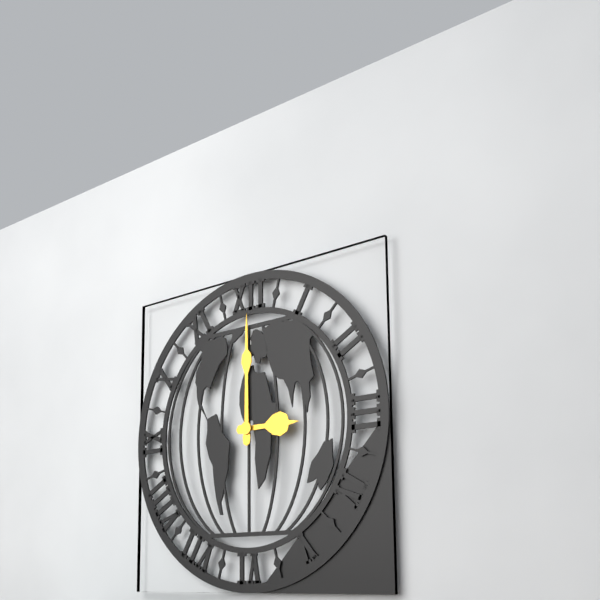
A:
3h00
